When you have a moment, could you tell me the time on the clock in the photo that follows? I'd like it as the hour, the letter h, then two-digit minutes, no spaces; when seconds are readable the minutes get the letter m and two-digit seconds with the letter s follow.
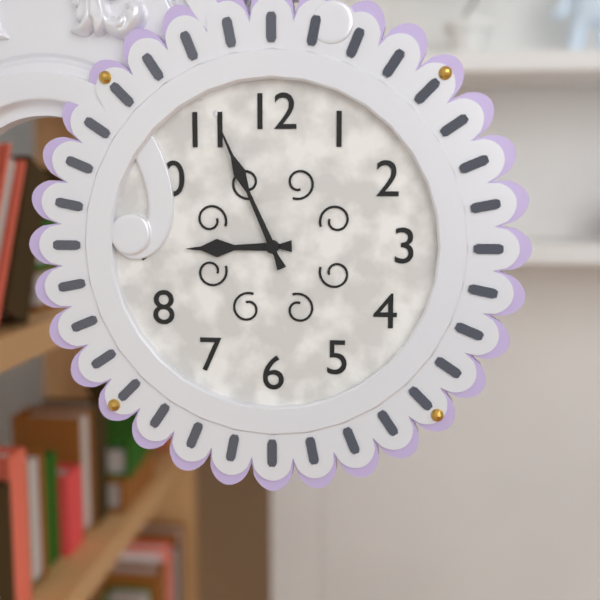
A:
8h56
